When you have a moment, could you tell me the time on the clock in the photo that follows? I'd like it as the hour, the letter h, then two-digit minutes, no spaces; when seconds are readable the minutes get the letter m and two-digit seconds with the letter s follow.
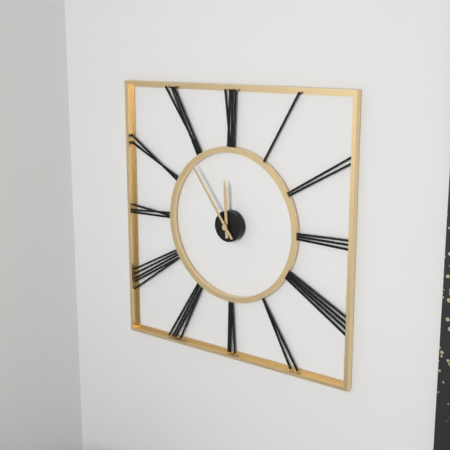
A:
11h54
